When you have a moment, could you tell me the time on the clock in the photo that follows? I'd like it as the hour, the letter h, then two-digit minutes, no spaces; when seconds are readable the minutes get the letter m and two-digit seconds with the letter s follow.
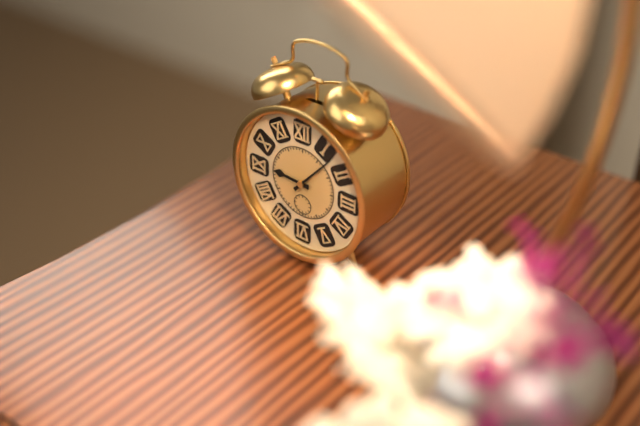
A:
9h07
